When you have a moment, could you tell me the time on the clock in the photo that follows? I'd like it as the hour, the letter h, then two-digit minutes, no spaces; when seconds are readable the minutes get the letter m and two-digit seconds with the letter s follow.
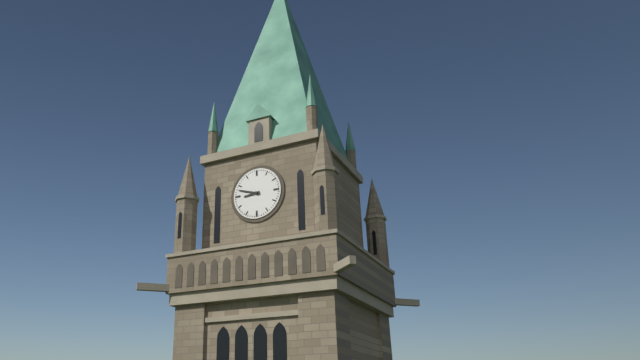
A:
8h48
